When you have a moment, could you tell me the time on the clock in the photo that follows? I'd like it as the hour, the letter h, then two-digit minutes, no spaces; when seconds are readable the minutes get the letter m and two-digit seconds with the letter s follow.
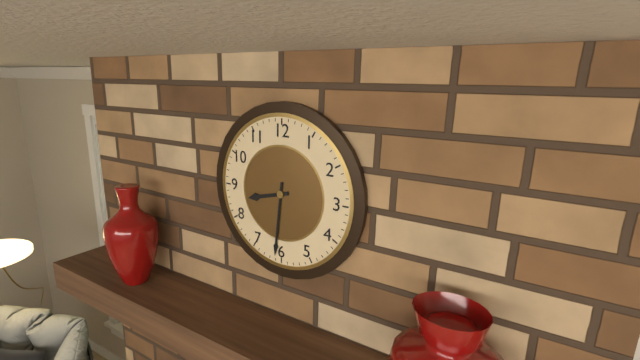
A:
8h31
